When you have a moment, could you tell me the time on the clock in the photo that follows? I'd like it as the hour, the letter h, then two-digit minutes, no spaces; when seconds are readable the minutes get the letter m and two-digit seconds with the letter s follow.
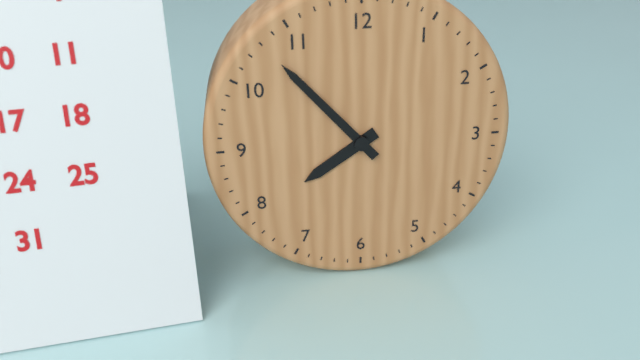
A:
7h53
